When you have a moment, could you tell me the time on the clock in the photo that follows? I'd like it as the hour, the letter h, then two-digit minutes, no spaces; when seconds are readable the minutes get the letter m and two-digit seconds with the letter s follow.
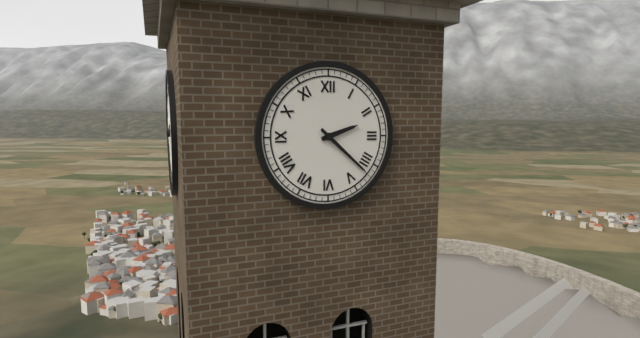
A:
2h22
